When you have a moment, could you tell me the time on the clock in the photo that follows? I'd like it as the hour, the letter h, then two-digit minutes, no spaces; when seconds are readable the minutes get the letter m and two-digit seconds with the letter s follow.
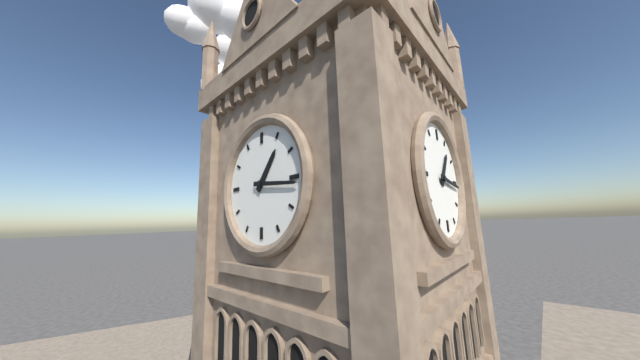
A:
1h16
